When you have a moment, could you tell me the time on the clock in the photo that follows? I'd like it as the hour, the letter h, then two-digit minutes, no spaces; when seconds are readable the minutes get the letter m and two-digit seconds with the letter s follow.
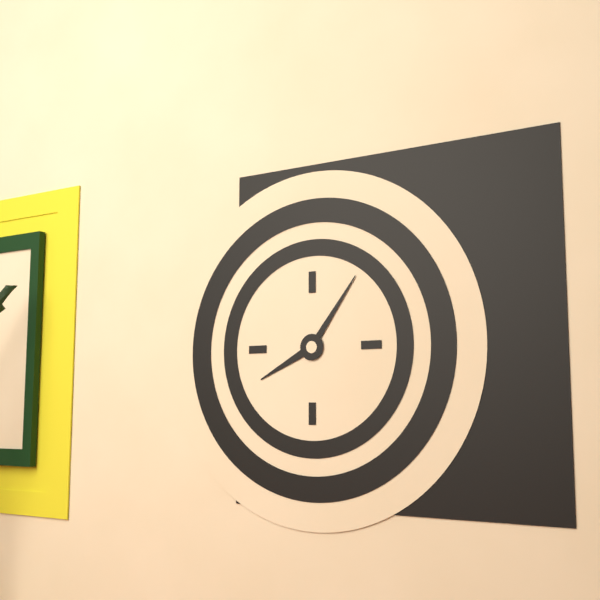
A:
8h06
